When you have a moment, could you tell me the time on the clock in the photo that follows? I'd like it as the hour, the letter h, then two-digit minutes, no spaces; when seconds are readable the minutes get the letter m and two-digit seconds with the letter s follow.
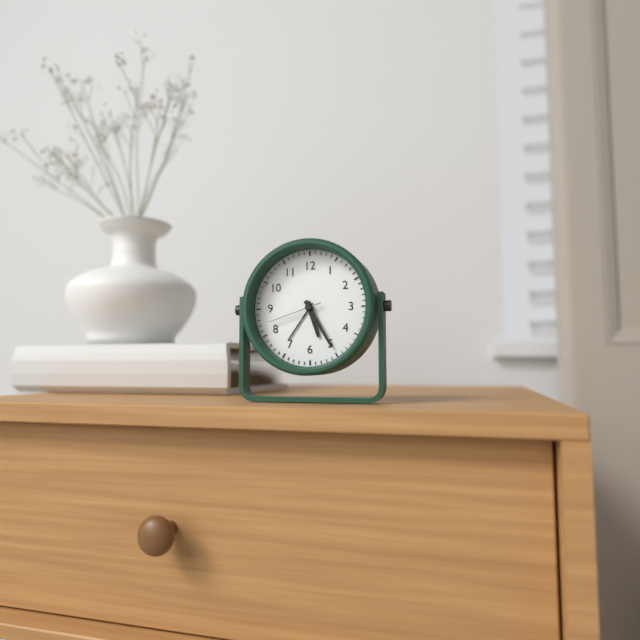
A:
5h25m42s
